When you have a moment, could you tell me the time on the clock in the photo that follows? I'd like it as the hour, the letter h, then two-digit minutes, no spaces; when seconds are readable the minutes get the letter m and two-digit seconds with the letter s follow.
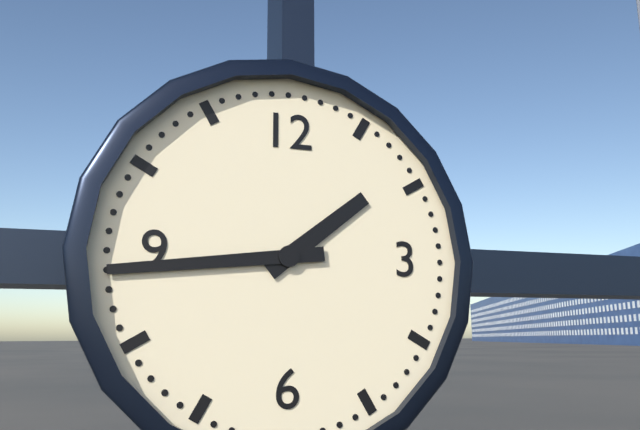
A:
1h44
